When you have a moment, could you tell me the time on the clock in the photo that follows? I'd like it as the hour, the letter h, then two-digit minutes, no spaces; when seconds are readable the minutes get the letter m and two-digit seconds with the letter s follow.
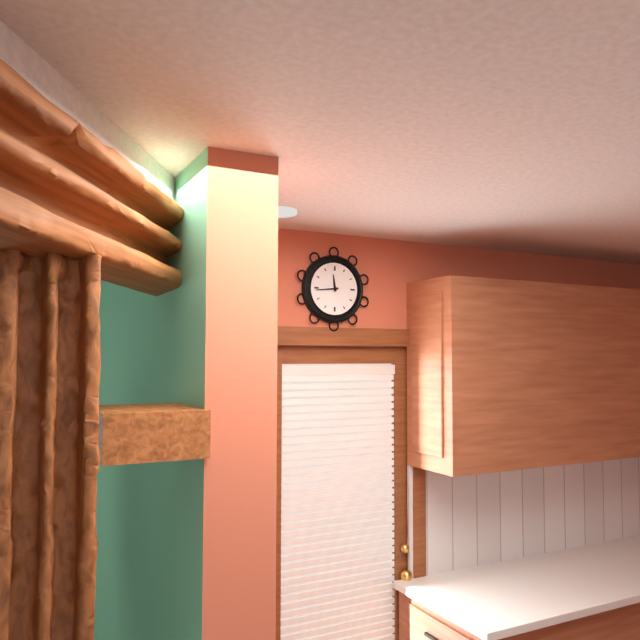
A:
11h44
